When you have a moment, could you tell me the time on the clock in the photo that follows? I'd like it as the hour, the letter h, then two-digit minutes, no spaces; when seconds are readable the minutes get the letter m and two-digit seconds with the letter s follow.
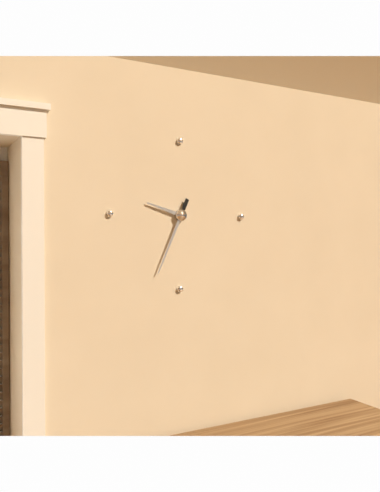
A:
9h34
